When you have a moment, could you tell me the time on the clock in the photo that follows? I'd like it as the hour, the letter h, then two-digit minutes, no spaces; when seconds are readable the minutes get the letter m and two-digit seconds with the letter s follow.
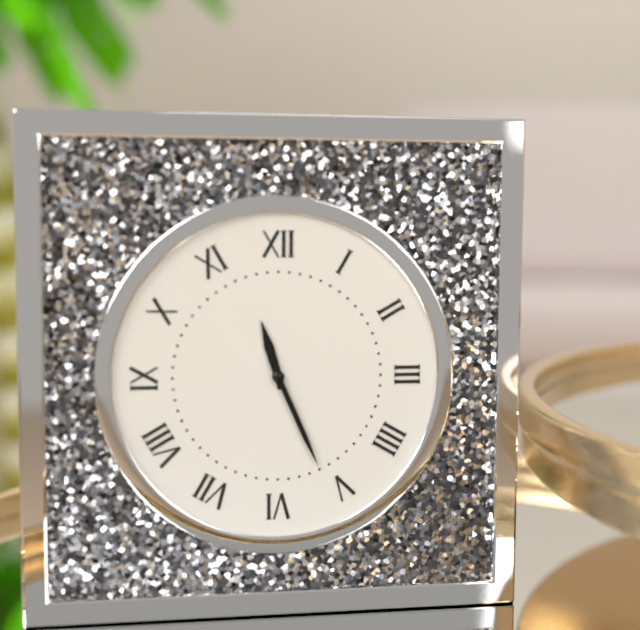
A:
11h26
